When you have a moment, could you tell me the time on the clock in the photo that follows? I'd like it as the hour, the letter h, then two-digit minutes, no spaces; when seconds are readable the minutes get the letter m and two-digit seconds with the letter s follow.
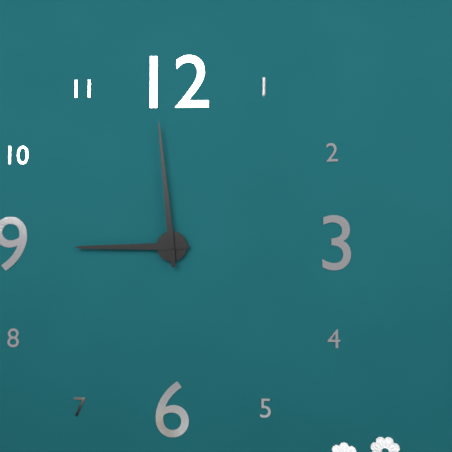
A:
8h59
